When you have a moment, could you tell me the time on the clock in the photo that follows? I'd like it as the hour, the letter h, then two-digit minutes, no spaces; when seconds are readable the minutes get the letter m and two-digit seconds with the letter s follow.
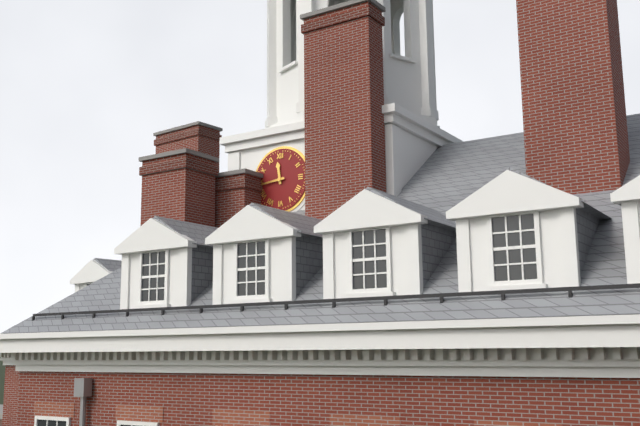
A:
11h44
